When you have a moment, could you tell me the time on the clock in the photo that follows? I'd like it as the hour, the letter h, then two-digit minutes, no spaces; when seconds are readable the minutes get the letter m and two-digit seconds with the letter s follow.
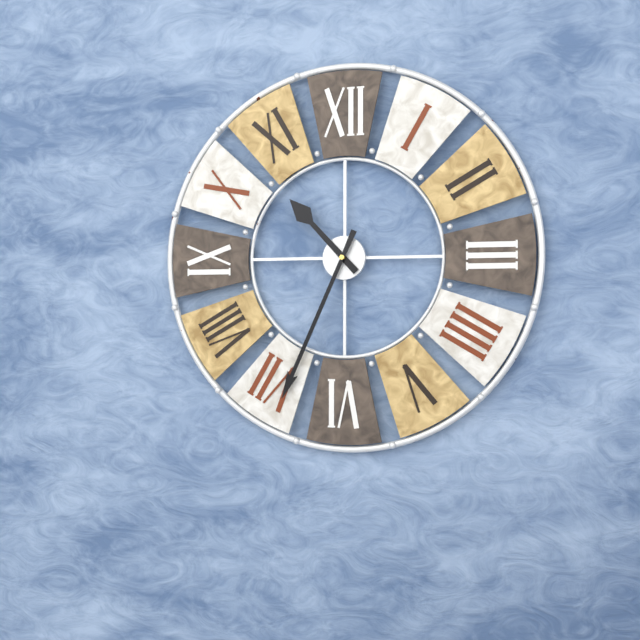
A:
10h34
